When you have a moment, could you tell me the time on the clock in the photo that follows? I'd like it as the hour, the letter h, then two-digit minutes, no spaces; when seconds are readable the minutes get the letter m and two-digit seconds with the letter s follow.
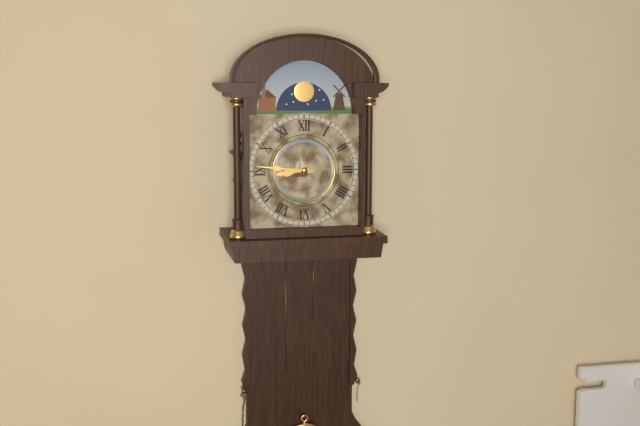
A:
8h46
